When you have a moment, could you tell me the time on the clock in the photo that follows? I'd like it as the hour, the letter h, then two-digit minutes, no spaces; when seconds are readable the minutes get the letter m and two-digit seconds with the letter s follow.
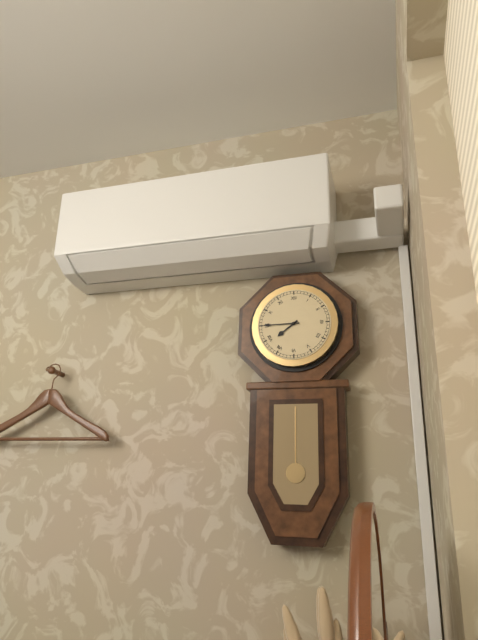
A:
7h45
